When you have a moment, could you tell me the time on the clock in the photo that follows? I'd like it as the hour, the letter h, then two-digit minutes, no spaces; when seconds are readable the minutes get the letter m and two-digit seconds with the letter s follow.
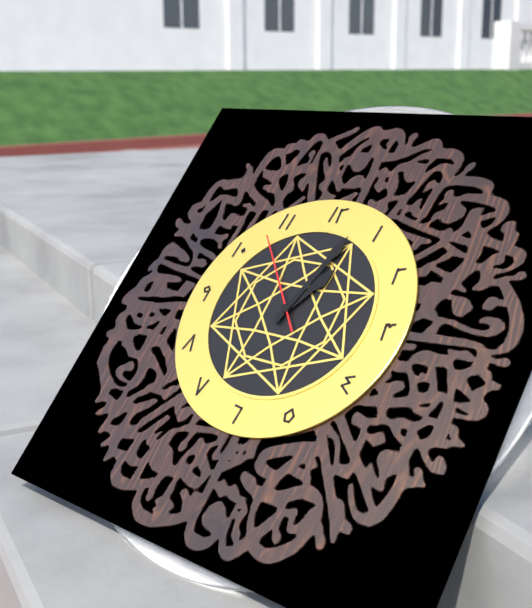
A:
1h03m53s
